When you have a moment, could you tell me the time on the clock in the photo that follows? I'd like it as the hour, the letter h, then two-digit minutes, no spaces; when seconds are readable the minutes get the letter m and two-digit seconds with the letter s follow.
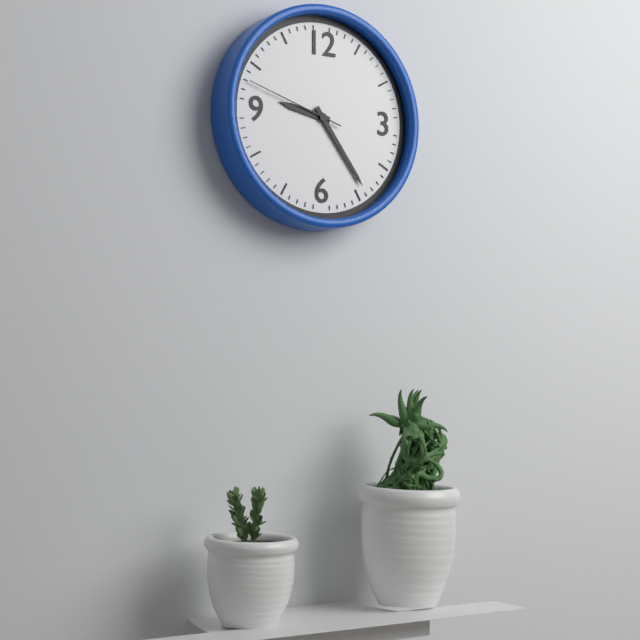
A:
9h24m48s
